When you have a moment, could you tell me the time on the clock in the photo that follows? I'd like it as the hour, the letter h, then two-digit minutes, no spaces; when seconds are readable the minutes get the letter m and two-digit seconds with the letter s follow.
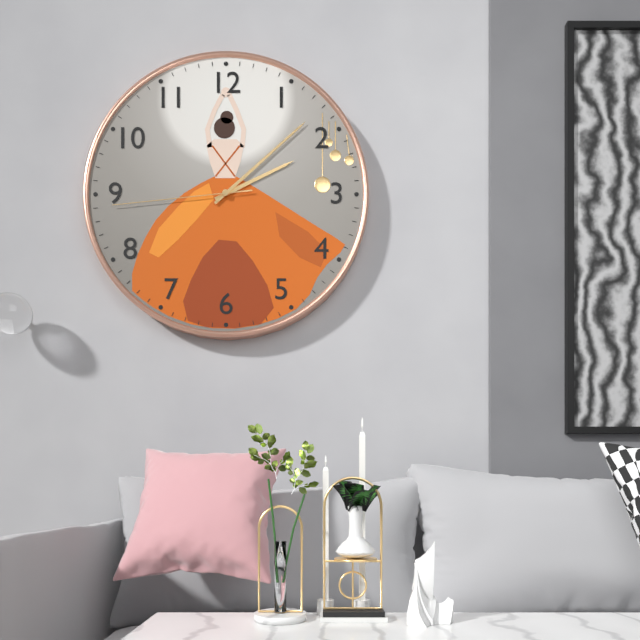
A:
2h08m44s
